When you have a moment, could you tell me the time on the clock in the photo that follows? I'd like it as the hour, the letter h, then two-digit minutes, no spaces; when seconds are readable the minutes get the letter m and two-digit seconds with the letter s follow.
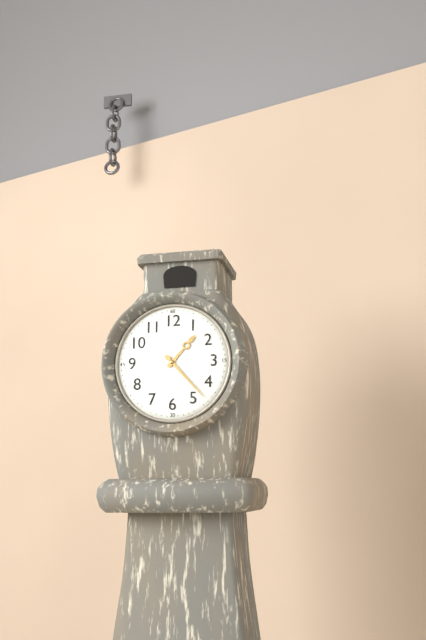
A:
1h23
